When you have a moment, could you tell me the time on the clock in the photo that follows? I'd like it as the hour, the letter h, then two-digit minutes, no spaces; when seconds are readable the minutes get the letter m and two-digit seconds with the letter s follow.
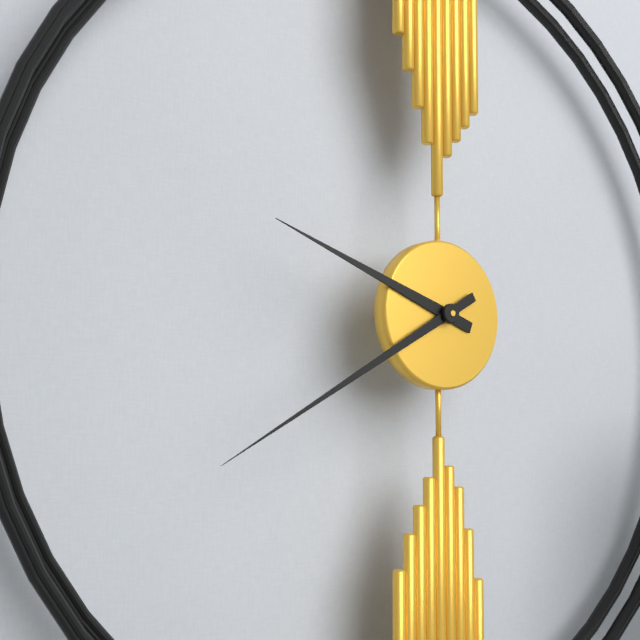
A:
9h40
